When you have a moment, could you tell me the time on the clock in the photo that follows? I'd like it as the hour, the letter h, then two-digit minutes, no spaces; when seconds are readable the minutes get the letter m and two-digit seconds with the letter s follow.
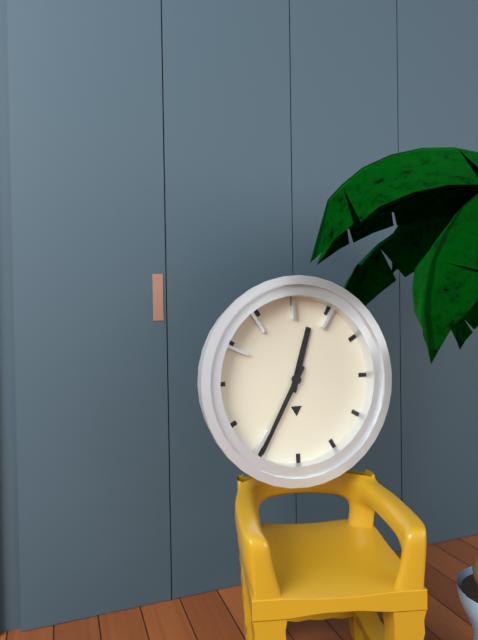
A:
12h35
